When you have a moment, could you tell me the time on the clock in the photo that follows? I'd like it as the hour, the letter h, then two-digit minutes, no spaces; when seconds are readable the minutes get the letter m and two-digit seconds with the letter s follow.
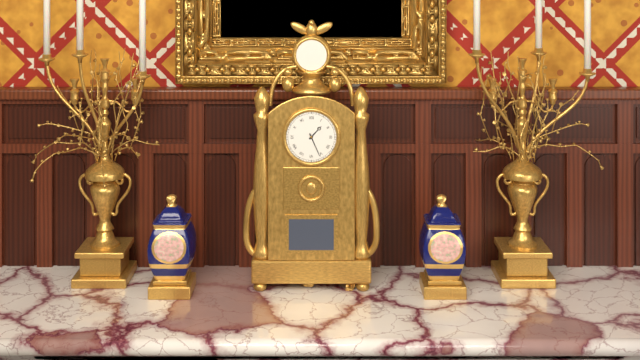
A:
1h26
